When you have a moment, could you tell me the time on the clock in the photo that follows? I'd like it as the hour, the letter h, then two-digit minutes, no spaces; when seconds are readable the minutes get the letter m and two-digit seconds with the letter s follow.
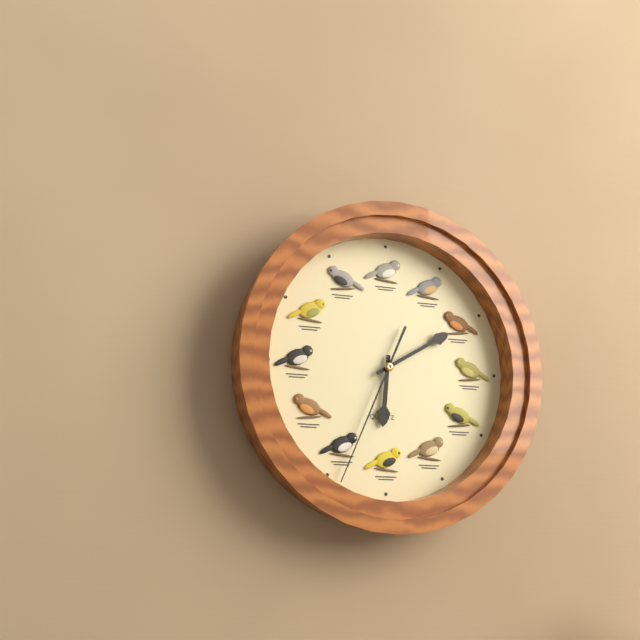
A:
6h10m34s
